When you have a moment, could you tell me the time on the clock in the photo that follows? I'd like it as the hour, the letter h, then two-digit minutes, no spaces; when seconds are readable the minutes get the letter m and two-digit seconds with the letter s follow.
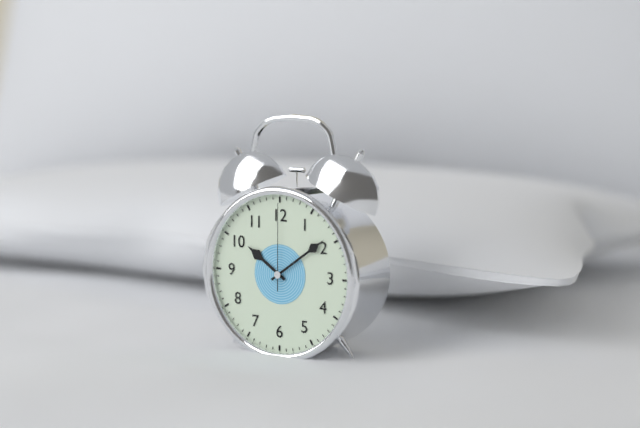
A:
10h09m00s
